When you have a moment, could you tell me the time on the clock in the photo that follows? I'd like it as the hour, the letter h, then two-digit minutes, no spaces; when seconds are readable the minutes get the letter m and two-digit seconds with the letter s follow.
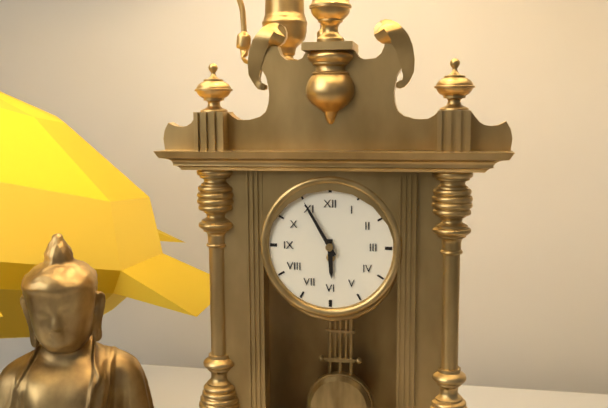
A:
5h55
